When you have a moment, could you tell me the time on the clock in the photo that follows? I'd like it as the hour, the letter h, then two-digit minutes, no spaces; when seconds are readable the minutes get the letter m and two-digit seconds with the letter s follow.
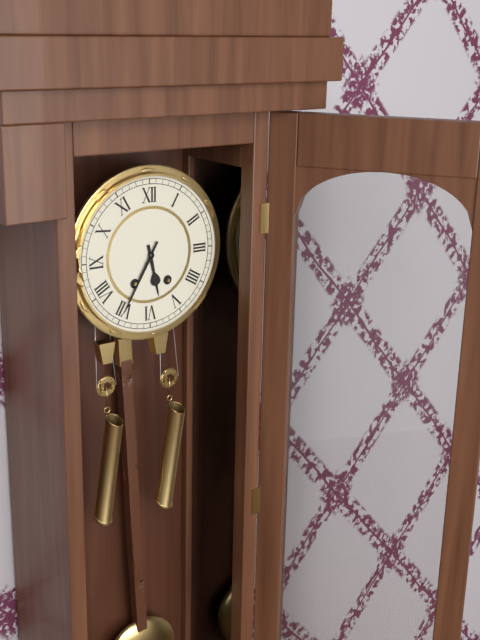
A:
5h35
